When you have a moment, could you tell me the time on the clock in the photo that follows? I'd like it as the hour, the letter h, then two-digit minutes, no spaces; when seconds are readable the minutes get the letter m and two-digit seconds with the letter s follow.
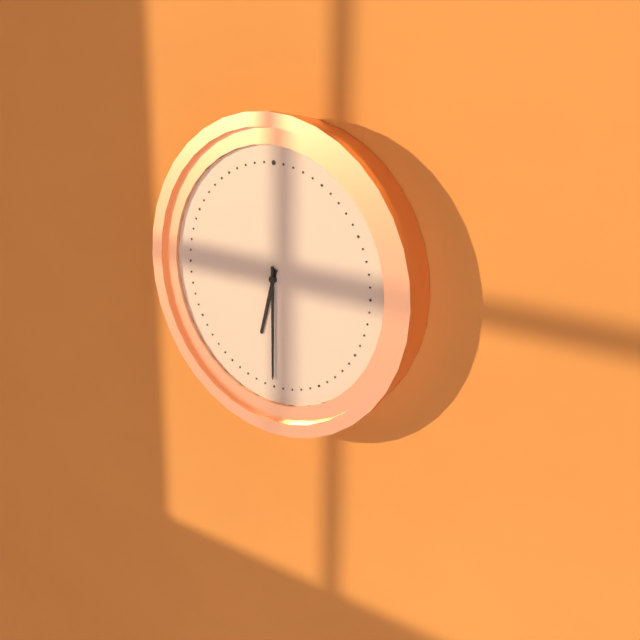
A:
6h30
